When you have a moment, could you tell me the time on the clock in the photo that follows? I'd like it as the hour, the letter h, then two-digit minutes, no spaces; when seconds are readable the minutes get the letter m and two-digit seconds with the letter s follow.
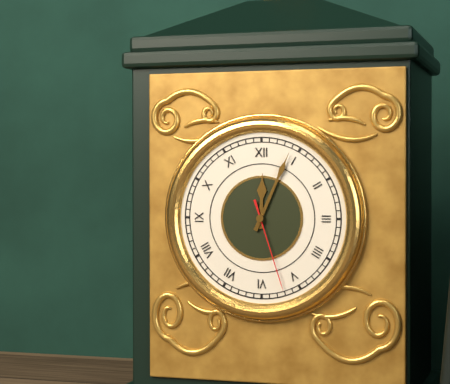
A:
12h04m27s
